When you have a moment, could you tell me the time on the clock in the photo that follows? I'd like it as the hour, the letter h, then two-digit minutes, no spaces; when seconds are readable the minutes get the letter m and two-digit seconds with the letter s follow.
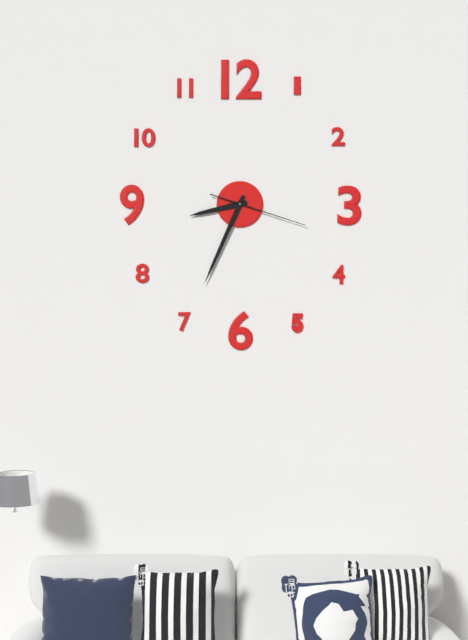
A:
8h34m18s
